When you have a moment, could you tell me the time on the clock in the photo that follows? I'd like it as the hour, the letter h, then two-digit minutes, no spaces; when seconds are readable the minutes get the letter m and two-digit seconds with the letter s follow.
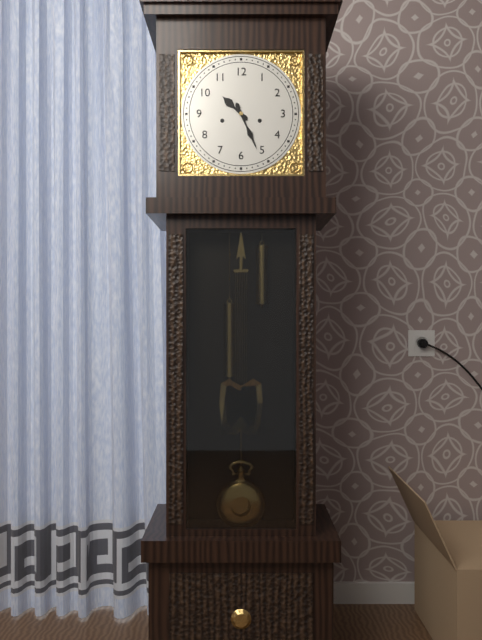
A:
10h26
